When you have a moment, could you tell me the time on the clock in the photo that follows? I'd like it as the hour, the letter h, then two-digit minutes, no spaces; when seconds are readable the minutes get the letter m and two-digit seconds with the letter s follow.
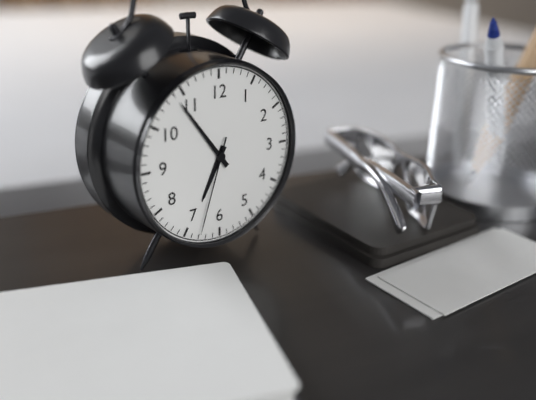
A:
6h54m33s
